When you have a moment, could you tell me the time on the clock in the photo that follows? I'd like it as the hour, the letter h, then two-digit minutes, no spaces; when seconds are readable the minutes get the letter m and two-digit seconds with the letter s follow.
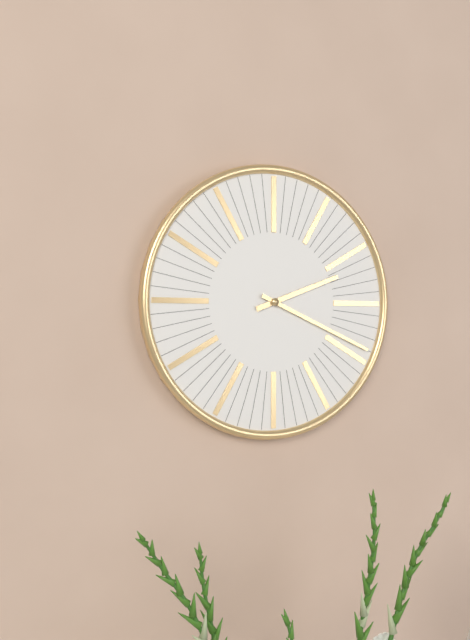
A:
2h19
